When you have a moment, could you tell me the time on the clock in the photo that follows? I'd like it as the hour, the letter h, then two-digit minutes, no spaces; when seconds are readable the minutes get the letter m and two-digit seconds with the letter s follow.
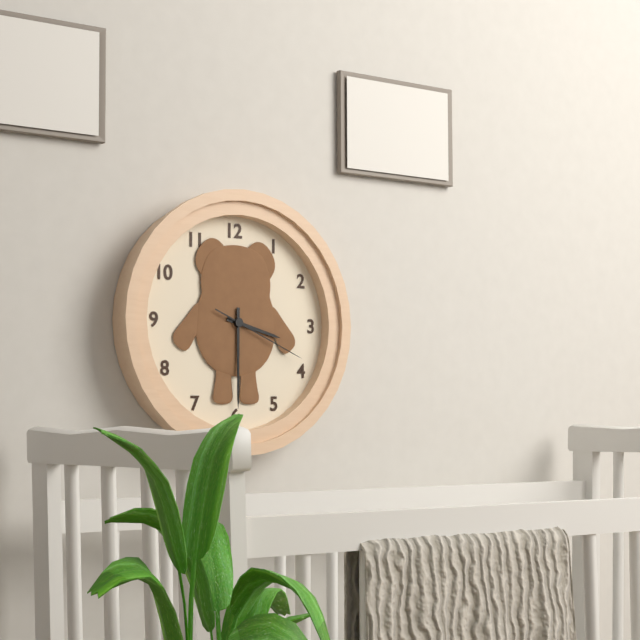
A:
3h30m19s
